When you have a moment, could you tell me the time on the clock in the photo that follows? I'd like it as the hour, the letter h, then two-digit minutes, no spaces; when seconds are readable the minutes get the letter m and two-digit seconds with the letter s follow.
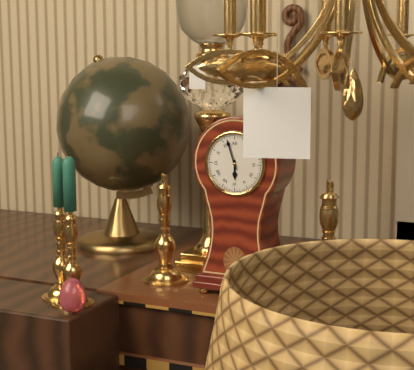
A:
5h57
